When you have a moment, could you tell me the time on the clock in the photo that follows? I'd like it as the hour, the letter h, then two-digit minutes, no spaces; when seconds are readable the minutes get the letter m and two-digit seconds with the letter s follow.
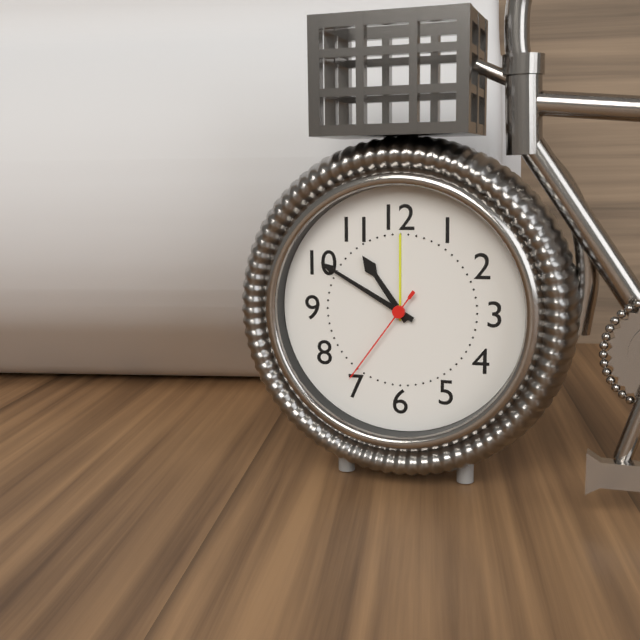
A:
10h50m36s
